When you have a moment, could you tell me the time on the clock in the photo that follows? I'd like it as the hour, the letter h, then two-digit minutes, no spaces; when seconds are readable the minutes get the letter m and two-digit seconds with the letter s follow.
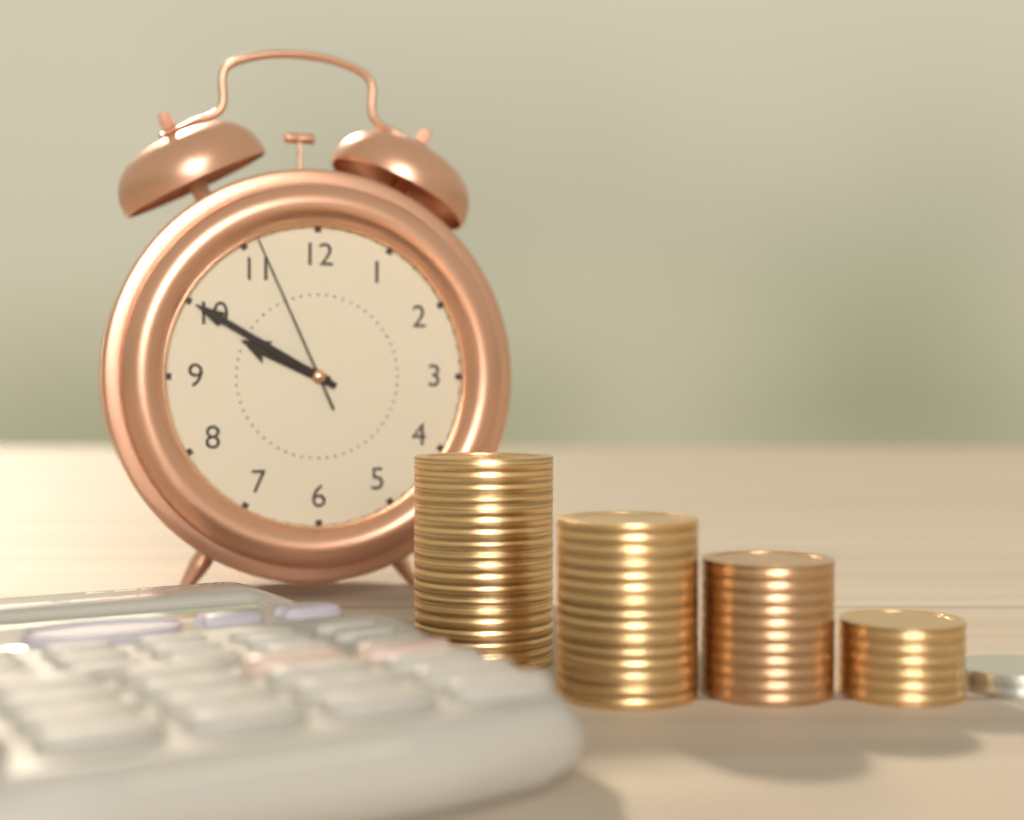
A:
9h50m56s
